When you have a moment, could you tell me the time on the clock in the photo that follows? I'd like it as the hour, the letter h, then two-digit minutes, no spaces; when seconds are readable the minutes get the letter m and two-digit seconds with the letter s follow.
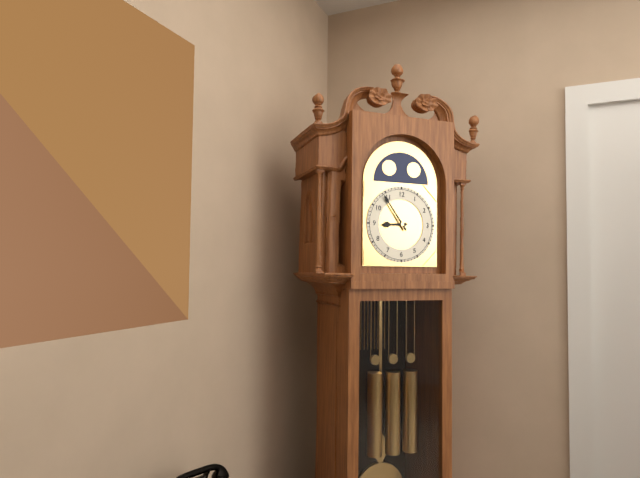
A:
8h54
